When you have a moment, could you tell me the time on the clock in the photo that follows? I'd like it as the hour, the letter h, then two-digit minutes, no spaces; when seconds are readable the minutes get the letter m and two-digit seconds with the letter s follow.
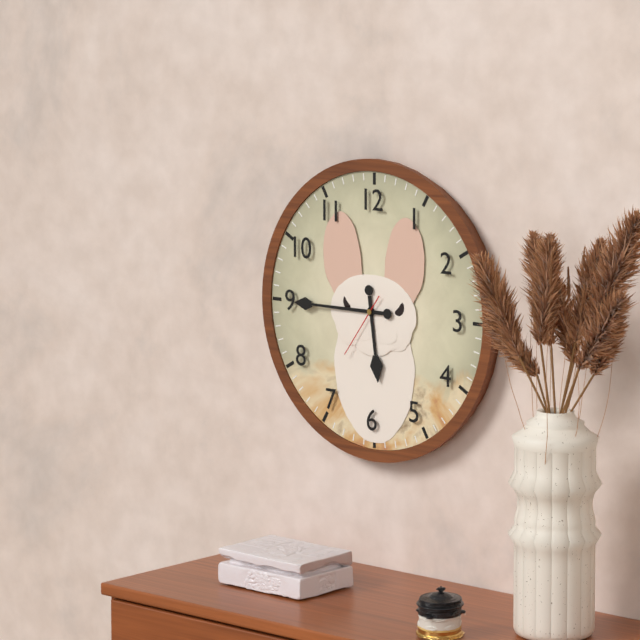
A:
5h45m36s
